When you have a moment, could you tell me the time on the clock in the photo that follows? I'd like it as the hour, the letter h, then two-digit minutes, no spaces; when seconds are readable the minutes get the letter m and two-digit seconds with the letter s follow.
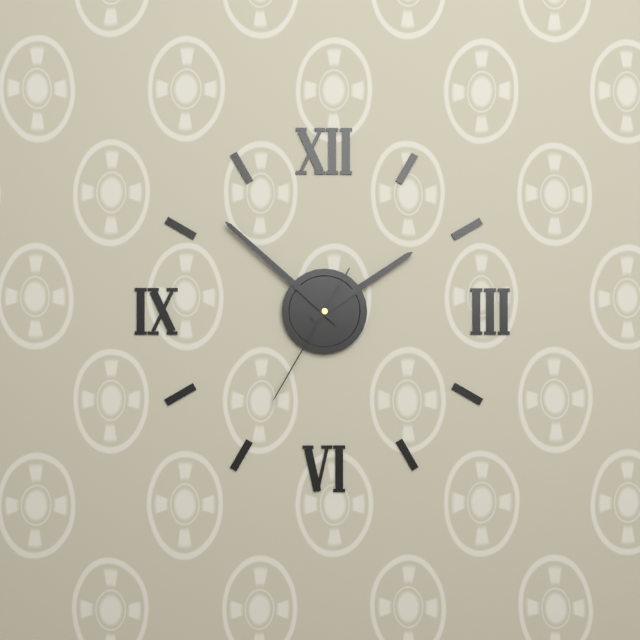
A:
1h52m35s
